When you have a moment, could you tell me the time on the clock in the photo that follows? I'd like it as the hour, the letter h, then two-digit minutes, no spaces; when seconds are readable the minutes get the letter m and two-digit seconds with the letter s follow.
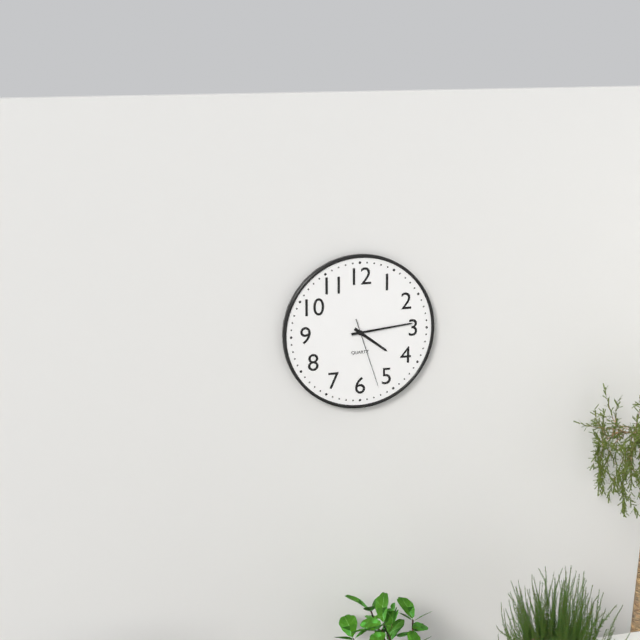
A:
4h14m27s
